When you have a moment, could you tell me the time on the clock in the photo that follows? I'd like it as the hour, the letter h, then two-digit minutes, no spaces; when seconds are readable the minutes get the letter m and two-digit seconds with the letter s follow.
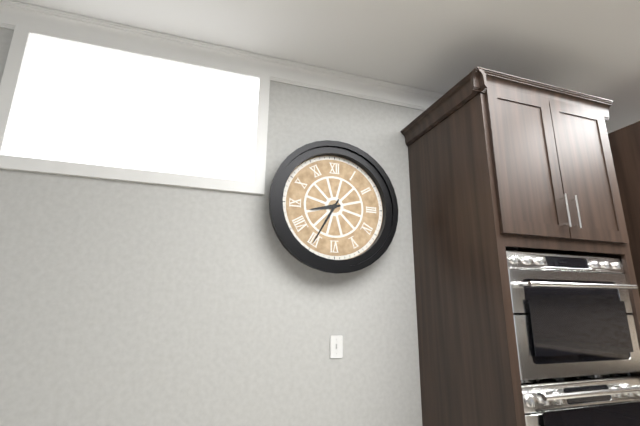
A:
8h35
